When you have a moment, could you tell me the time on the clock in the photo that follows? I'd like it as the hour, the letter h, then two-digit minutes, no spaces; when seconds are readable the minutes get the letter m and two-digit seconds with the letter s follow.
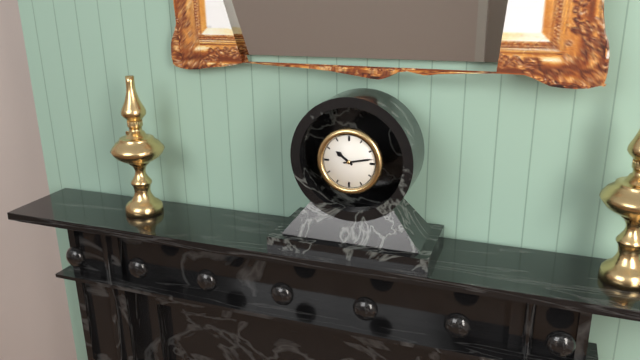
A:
10h13
